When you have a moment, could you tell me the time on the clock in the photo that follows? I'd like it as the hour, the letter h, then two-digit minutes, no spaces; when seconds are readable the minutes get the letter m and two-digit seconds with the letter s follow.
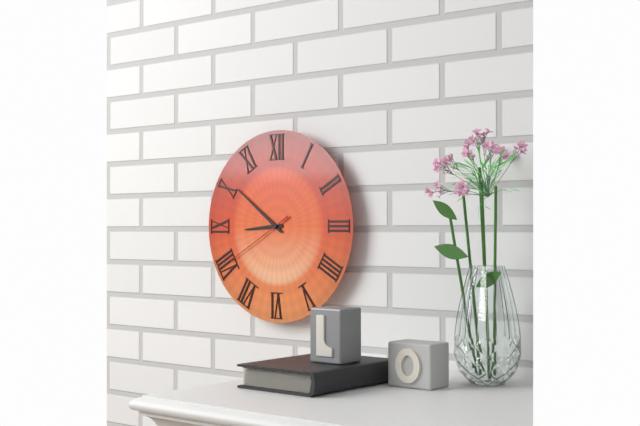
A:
8h51m40s
